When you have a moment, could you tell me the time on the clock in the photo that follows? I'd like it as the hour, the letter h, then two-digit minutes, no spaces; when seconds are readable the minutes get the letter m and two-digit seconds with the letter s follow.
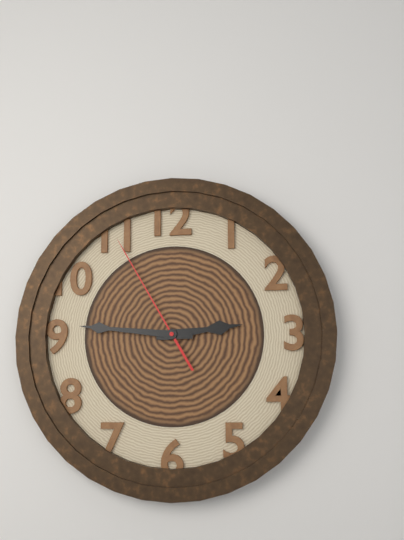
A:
2h46m55s
